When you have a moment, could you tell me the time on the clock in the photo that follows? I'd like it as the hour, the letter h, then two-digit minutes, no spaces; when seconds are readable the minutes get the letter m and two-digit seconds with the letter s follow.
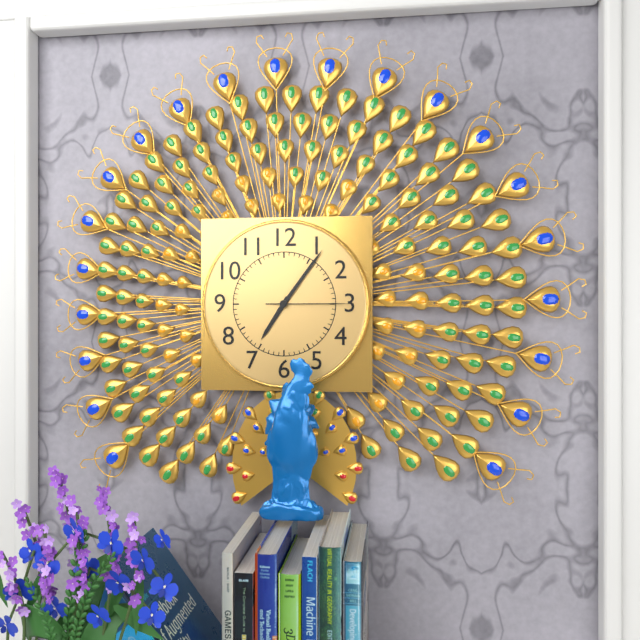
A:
7h06m15s
